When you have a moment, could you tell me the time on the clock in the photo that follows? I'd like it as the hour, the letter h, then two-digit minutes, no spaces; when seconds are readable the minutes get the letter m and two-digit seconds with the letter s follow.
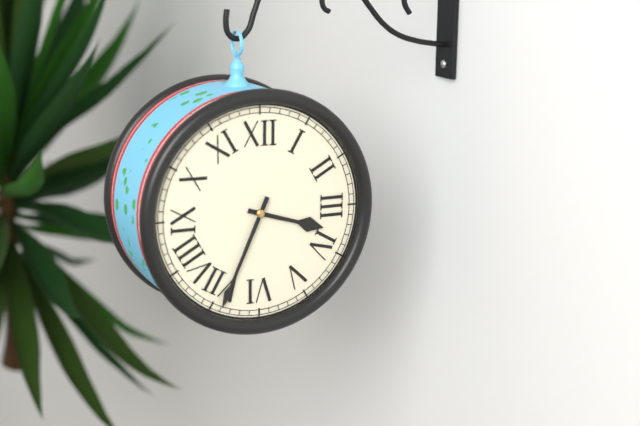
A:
3h34
